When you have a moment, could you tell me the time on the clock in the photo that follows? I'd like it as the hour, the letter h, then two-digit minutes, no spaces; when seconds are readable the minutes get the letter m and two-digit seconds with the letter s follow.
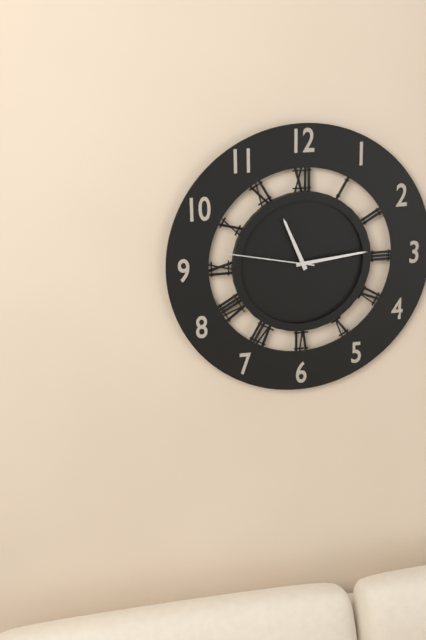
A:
11h14m47s
